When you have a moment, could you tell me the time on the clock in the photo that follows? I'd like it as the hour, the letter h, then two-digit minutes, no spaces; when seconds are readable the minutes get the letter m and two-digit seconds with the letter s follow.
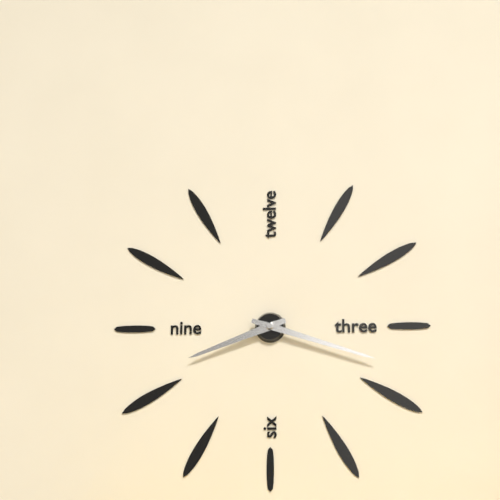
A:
8h18
